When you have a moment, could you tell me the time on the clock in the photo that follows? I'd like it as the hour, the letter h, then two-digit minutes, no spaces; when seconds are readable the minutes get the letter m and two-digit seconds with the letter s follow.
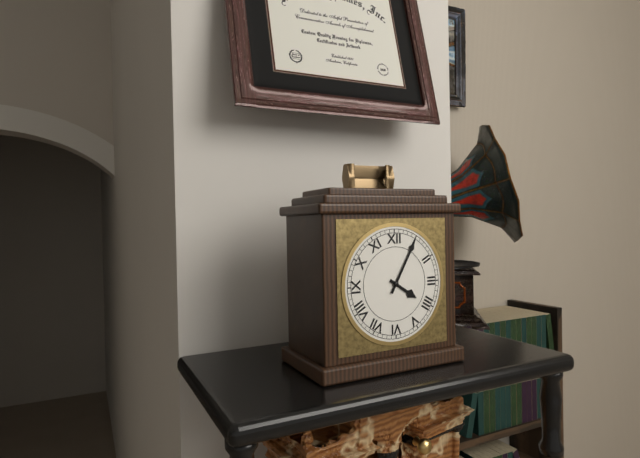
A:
4h05
